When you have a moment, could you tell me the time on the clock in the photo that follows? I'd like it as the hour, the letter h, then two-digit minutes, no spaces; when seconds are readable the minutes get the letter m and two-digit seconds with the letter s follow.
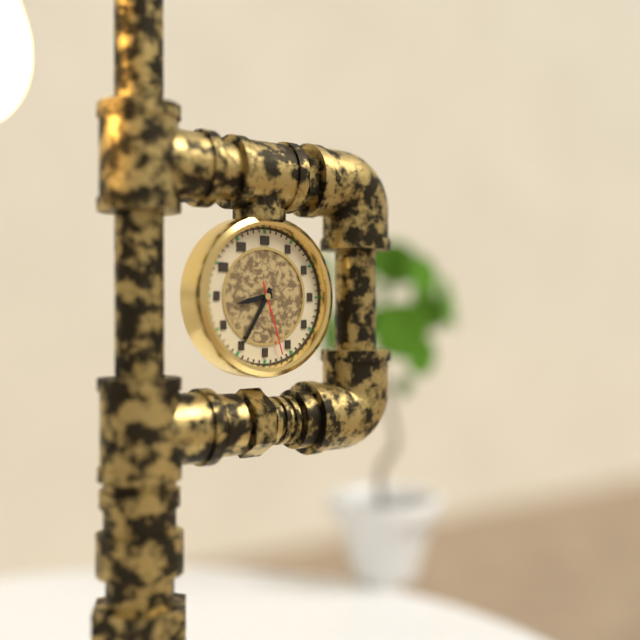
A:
8h35m27s
